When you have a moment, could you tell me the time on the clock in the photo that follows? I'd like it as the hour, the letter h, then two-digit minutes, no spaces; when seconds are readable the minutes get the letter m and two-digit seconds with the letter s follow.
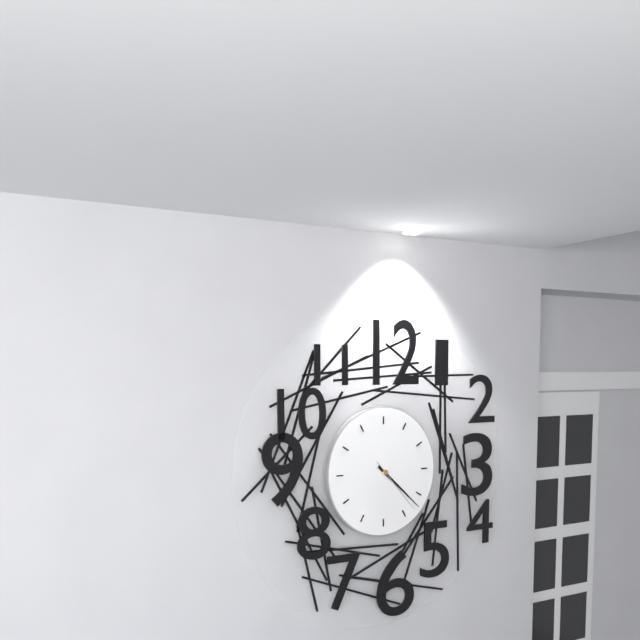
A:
4h22m23s
